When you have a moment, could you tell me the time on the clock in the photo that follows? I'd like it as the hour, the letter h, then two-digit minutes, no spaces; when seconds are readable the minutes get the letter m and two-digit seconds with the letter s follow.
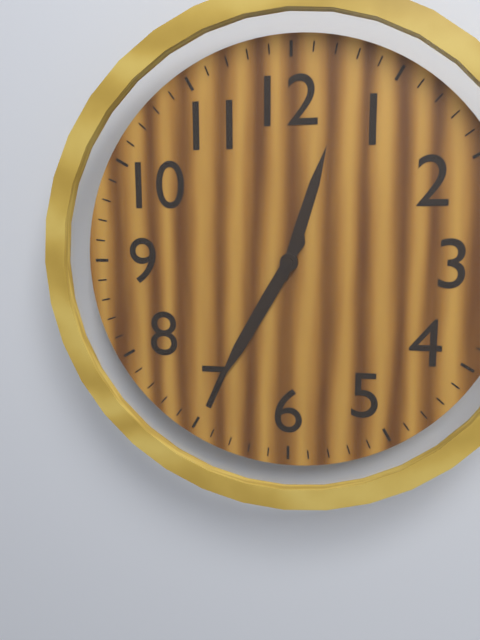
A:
12h35
